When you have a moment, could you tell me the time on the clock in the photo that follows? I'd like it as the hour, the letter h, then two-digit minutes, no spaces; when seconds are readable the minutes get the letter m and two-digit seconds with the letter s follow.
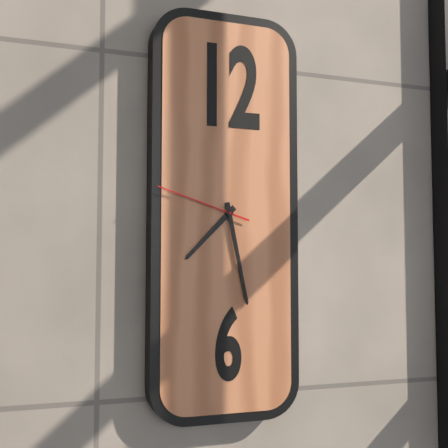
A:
7h28m48s
